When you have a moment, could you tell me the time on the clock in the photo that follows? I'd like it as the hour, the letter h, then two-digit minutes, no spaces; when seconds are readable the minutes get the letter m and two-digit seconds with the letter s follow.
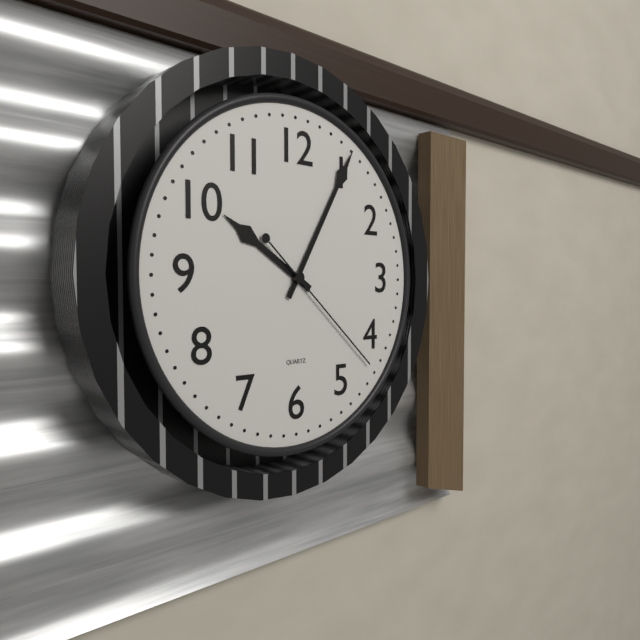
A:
10h05m22s
